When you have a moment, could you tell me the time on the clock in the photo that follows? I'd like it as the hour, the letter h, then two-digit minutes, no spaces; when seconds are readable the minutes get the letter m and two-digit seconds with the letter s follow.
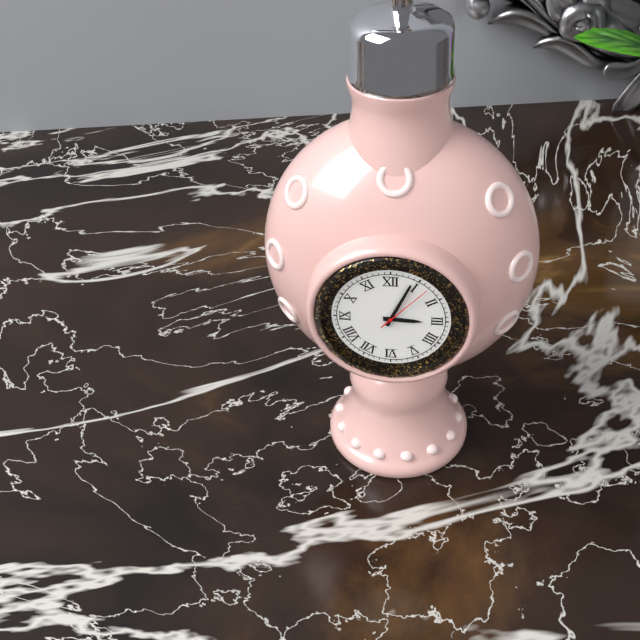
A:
3h04m07s
